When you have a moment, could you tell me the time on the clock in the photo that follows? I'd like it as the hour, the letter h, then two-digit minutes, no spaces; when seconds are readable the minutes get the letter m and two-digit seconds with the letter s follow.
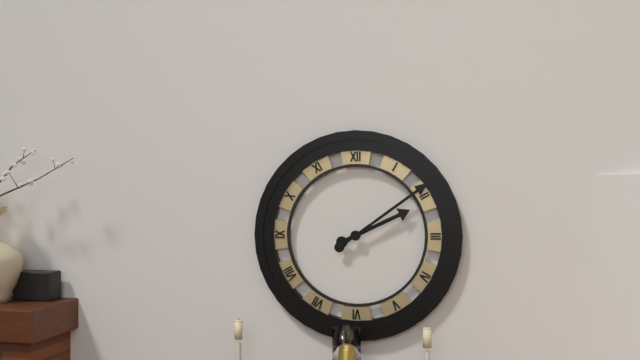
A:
2h09
